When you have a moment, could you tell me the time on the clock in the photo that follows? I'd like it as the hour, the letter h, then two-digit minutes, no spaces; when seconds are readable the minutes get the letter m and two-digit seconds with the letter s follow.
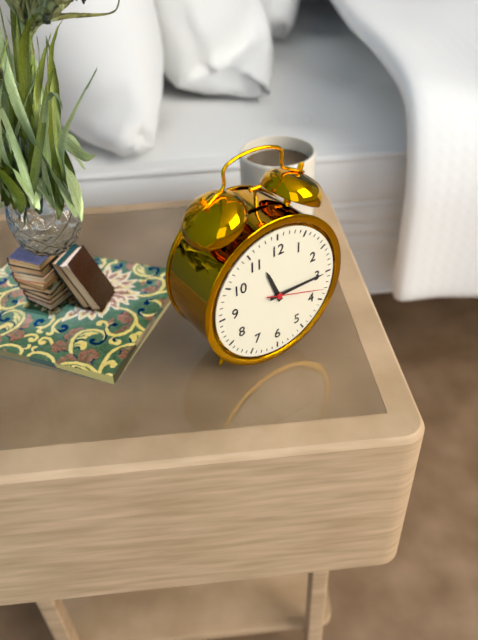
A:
11h15m18s
